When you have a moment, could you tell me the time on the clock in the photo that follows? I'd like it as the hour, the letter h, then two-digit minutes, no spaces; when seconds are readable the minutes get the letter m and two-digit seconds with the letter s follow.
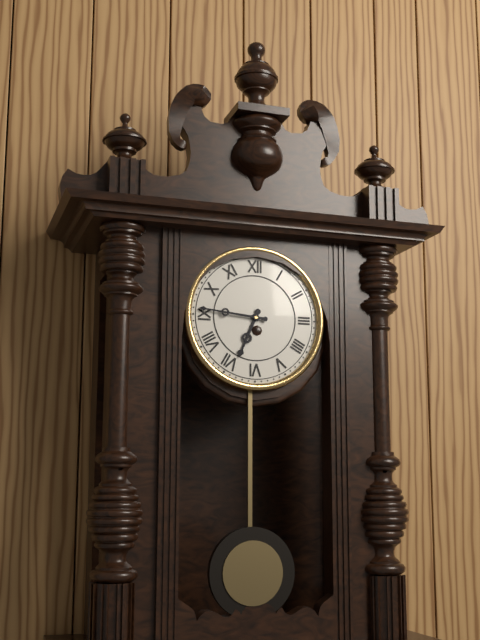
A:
6h46
